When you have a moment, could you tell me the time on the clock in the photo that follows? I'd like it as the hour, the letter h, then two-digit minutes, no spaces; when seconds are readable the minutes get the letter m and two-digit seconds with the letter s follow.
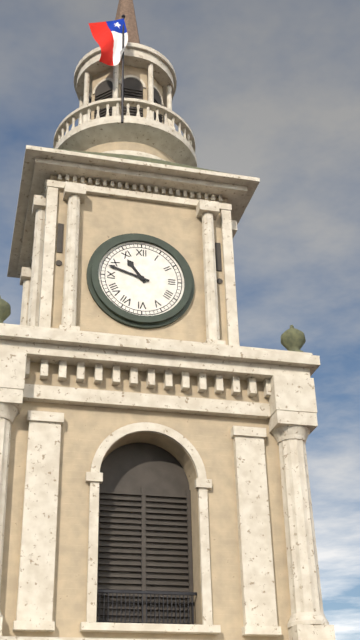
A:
10h48
